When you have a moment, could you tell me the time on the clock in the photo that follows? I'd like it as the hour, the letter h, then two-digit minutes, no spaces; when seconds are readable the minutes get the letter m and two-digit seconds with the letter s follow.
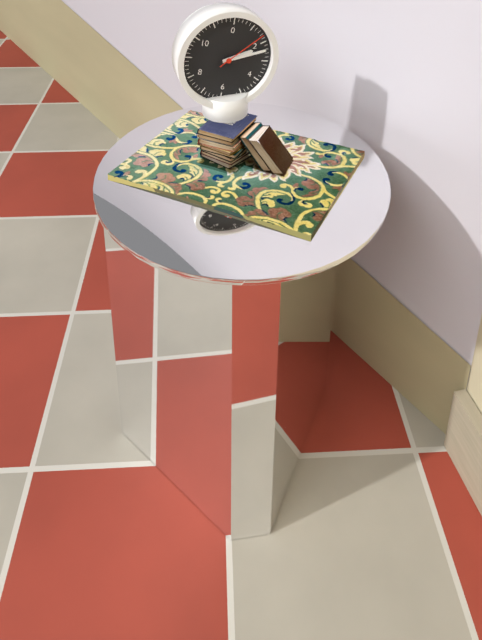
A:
2h12m08s
